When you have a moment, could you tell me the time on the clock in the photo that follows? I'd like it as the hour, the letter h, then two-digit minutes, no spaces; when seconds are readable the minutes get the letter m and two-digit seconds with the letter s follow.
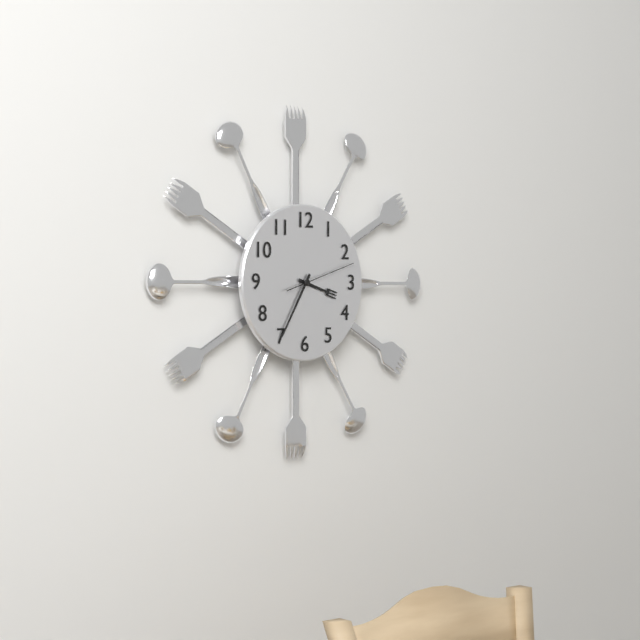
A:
3h35m12s
